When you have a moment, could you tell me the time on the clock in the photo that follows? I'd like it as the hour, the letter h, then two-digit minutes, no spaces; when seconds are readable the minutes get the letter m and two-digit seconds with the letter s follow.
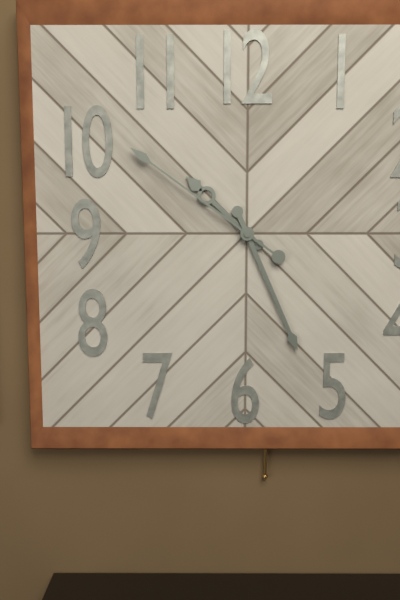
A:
10h26m51s
